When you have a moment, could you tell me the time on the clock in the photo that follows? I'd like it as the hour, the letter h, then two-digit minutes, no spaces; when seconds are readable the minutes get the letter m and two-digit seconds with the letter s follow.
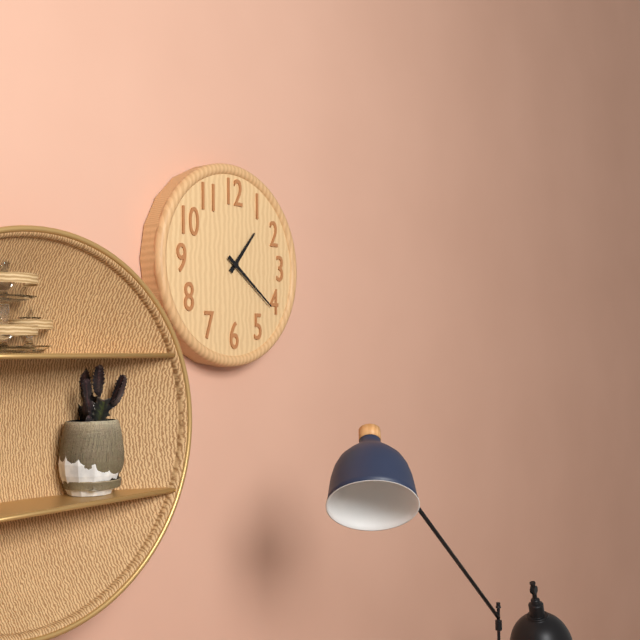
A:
1h21
